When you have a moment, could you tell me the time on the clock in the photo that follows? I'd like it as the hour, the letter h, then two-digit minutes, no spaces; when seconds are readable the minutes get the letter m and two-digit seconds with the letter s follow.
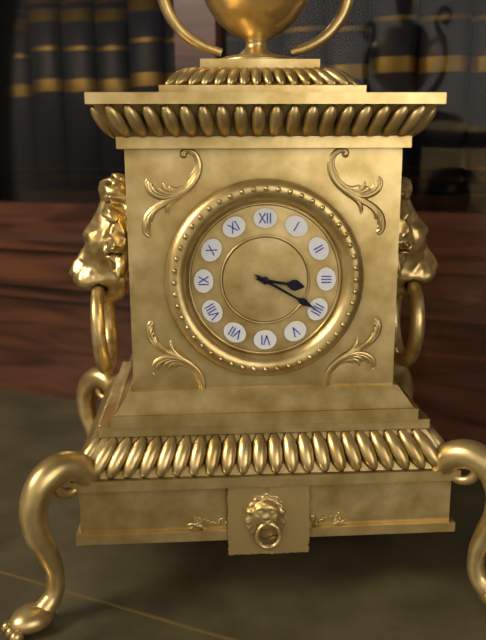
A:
3h20
